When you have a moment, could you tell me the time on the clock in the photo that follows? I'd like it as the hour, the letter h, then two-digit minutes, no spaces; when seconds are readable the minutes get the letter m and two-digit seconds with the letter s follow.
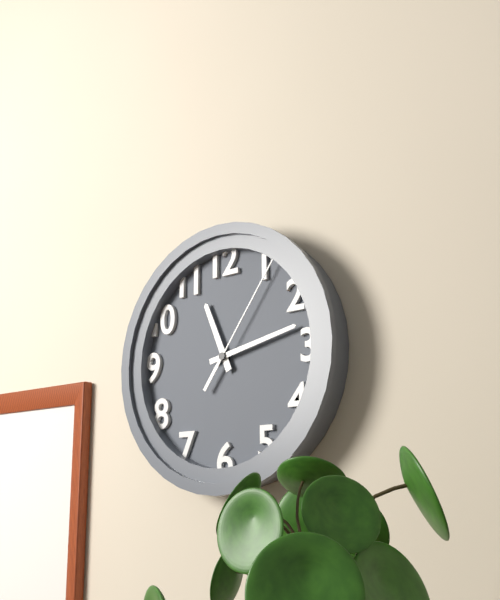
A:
11h13m06s
